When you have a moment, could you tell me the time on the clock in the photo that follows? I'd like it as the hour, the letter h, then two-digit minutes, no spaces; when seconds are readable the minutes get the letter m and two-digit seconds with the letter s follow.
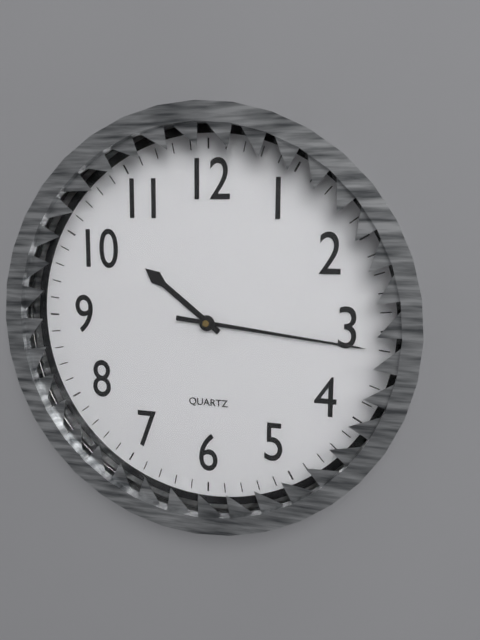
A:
10h16
